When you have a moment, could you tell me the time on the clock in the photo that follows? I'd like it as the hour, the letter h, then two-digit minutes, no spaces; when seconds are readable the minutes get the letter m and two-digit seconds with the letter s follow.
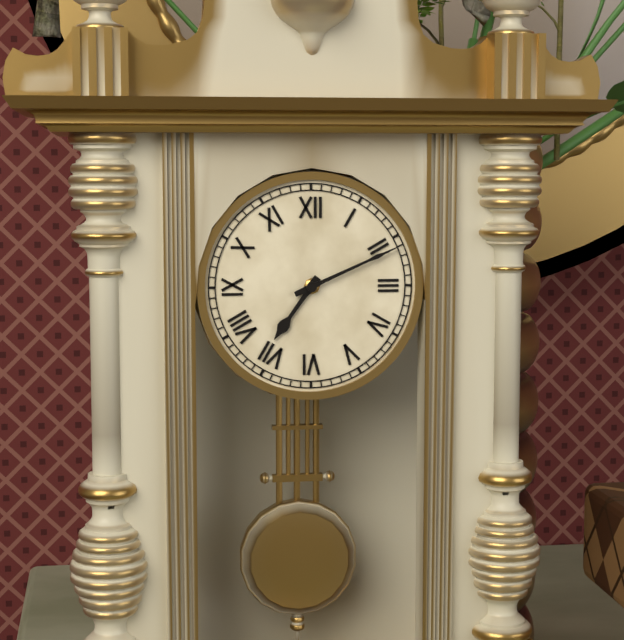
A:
7h11
